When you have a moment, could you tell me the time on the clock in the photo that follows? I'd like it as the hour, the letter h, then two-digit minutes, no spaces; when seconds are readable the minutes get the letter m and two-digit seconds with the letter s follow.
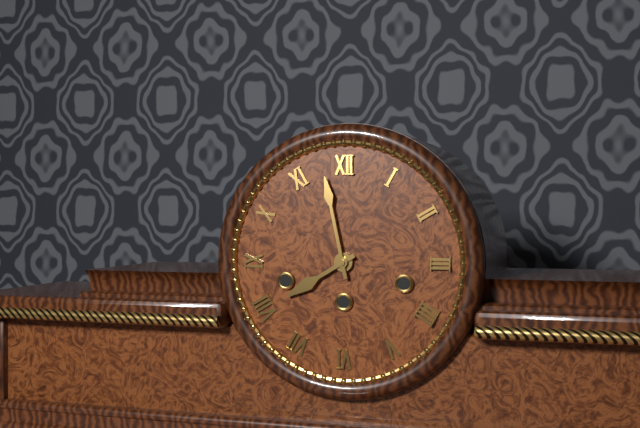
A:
7h58
